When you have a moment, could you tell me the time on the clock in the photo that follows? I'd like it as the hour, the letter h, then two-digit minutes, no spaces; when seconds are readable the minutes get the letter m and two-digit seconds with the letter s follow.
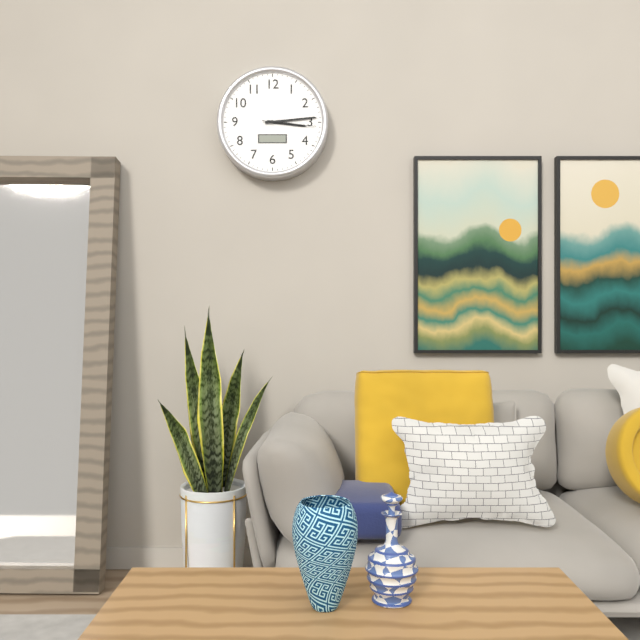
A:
3h14m16s
